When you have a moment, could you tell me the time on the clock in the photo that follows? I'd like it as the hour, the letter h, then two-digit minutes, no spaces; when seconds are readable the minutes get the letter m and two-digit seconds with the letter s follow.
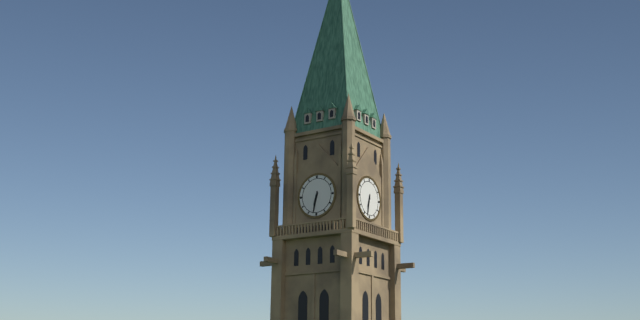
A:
6h32
